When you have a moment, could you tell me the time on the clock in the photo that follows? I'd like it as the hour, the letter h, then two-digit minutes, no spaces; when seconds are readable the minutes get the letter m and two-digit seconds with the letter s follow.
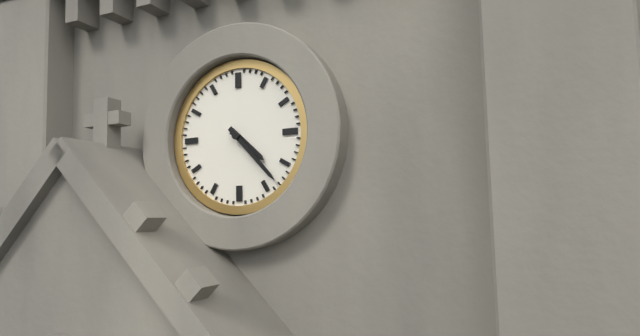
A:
4h23
